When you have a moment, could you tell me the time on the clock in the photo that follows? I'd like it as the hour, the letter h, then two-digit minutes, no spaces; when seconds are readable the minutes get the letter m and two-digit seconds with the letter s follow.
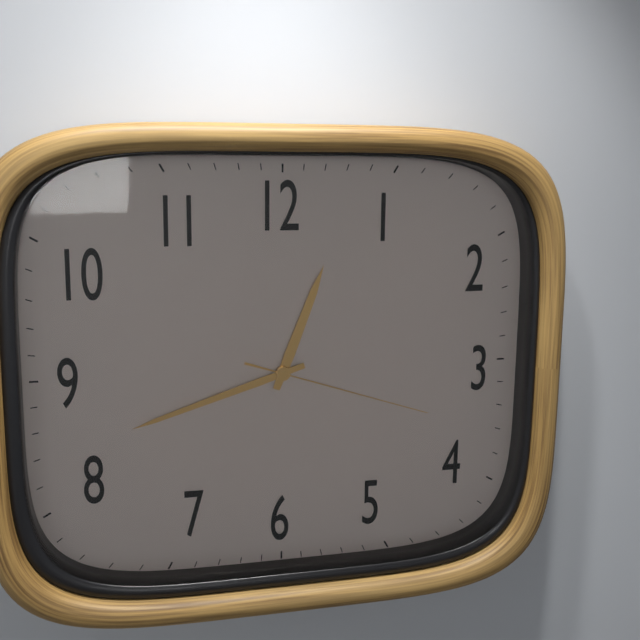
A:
12h42m18s
